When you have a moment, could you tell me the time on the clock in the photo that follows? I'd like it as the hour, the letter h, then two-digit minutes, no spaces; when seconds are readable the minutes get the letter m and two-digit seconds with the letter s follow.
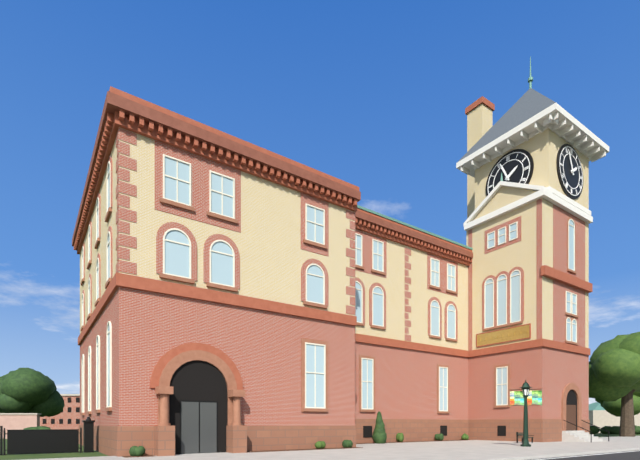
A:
1h56
